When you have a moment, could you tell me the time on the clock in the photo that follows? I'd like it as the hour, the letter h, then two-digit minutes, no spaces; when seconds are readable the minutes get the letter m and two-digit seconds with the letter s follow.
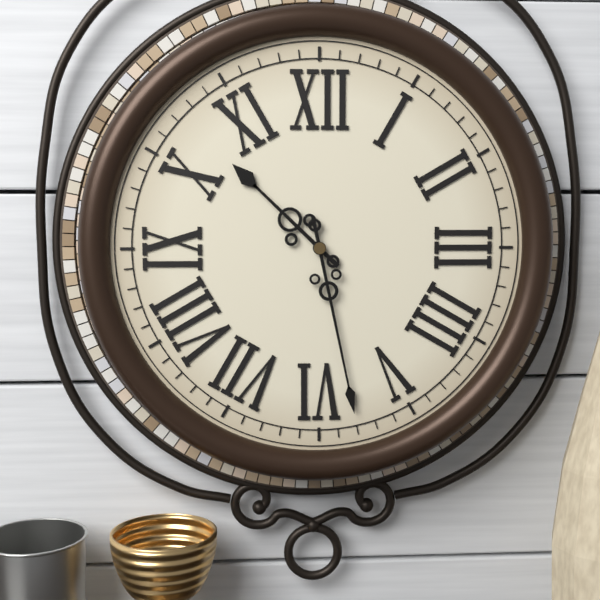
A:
10h28
